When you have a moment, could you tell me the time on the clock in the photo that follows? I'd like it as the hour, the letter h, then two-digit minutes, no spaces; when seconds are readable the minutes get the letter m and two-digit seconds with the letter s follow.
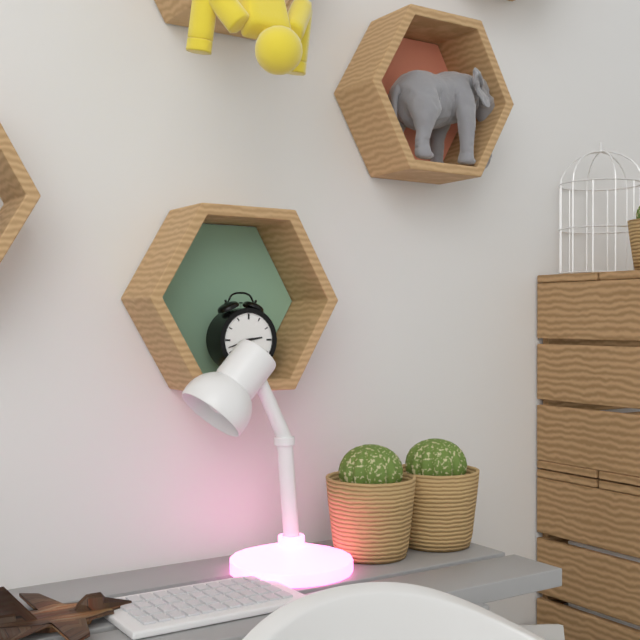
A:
2h42
